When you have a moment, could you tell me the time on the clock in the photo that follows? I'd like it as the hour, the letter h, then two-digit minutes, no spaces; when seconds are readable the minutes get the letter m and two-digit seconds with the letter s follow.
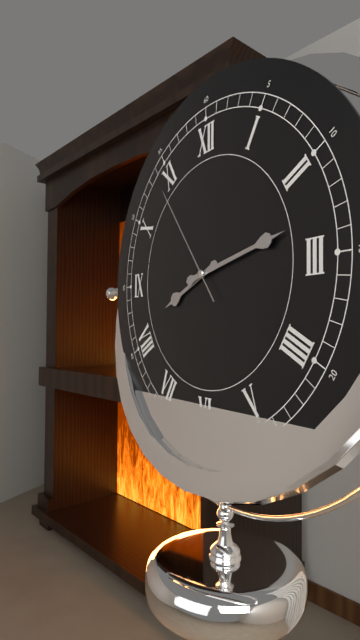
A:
8h13m54s
